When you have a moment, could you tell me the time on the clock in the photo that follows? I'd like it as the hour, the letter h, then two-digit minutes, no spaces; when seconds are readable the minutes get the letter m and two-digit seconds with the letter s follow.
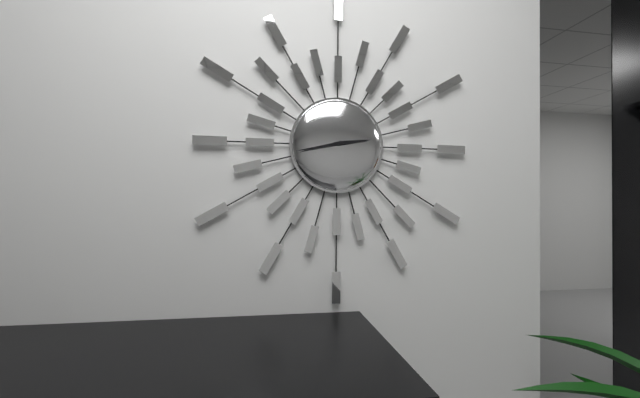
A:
2h43
